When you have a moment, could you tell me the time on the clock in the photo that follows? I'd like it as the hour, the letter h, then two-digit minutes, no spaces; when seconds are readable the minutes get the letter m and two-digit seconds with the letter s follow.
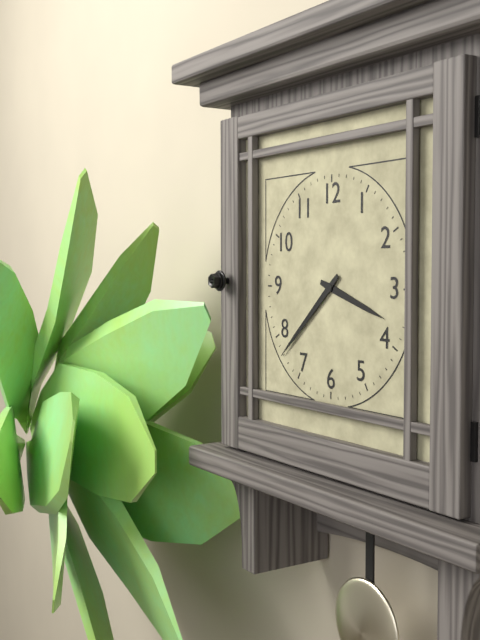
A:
3h38
